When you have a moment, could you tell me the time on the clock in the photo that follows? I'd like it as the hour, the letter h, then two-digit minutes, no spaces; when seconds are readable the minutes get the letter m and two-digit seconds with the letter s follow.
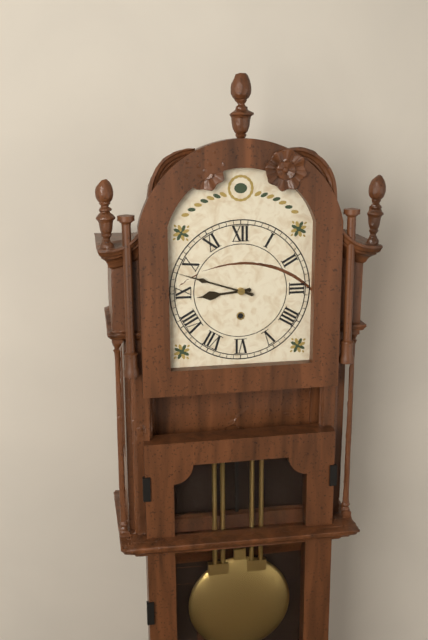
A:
8h48
